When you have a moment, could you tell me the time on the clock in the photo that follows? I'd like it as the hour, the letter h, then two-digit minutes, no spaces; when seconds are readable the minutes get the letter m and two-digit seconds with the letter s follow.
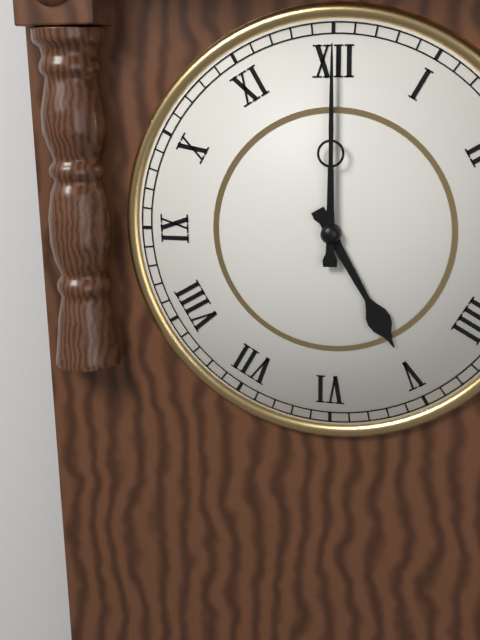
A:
5h00
